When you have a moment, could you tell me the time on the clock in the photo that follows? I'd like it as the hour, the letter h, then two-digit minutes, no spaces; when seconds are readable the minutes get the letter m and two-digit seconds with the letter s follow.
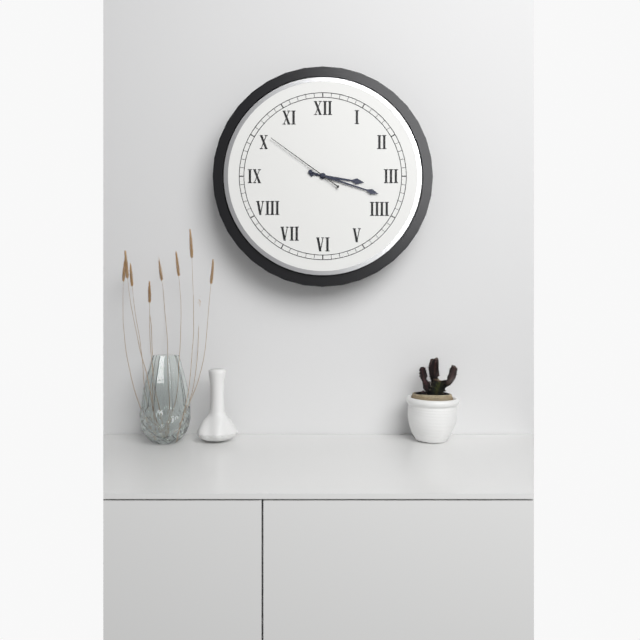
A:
3h18m51s
